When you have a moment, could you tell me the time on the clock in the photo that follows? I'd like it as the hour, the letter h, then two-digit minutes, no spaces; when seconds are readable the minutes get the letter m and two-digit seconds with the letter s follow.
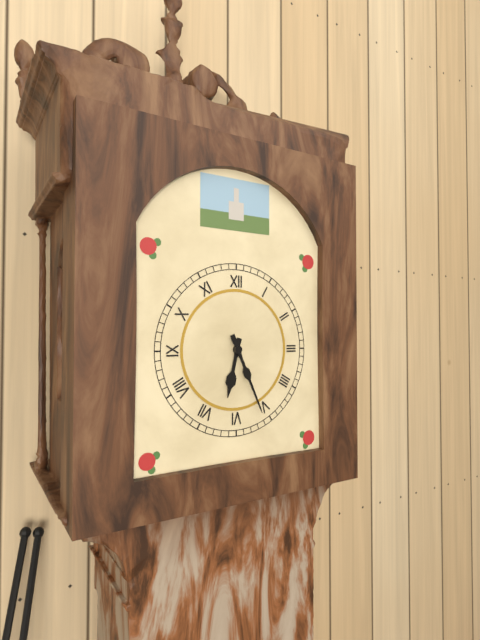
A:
6h26
